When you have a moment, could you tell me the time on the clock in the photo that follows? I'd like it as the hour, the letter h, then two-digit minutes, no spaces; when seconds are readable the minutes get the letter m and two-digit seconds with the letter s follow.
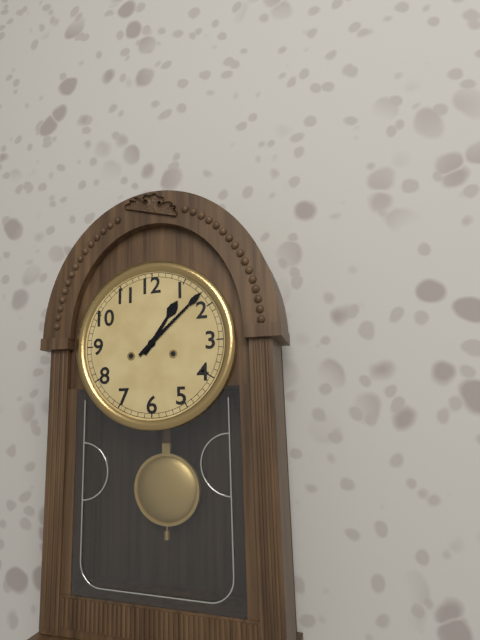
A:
1h08
